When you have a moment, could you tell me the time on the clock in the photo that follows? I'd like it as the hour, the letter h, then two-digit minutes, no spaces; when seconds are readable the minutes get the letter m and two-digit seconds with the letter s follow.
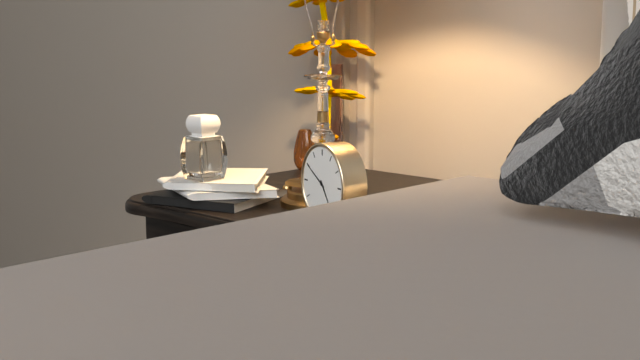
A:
4h50
